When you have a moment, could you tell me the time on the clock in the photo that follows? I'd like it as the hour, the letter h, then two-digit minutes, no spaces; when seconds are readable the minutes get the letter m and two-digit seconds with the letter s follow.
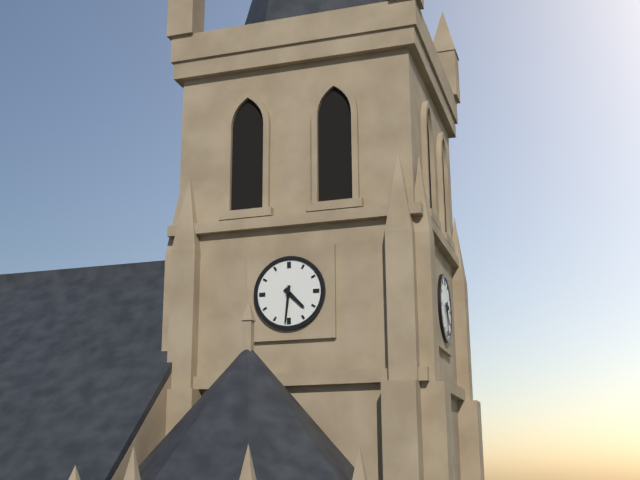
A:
4h31
